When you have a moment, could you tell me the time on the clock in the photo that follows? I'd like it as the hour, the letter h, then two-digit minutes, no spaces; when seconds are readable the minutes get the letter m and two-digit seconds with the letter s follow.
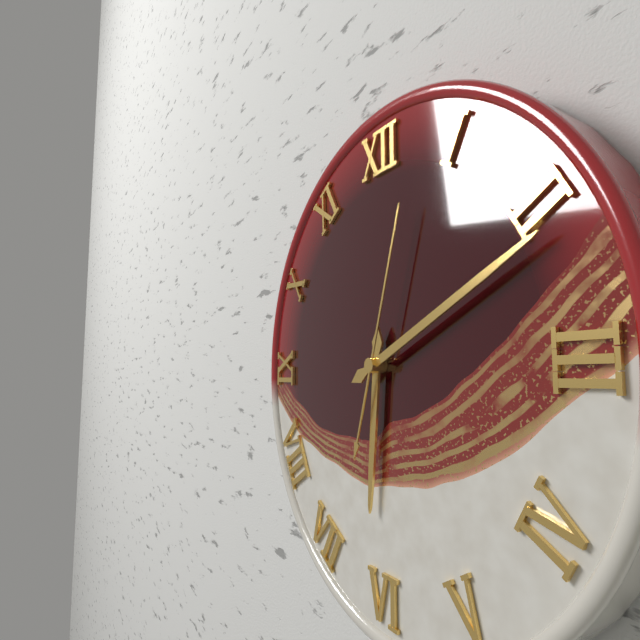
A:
6h11m03s
